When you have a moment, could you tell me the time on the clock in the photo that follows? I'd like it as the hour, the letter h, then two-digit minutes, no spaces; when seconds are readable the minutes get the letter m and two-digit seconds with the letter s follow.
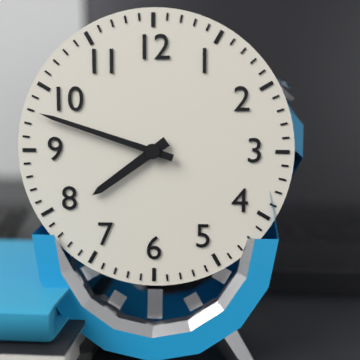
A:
7h48
